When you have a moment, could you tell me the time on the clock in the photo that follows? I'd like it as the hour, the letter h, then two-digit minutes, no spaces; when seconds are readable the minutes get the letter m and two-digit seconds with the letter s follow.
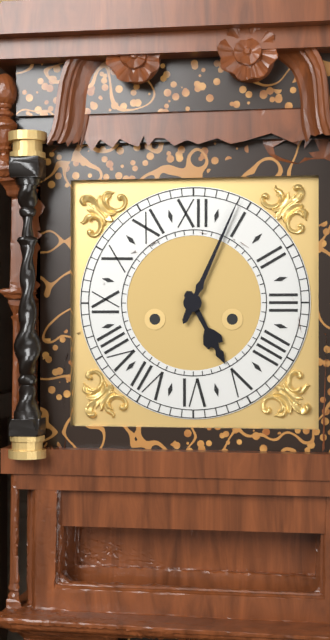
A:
5h04
